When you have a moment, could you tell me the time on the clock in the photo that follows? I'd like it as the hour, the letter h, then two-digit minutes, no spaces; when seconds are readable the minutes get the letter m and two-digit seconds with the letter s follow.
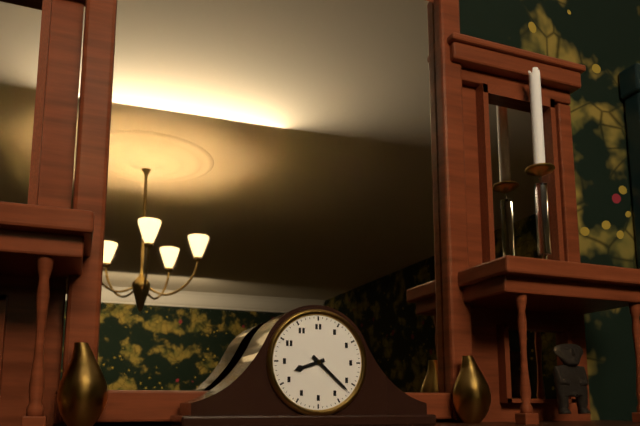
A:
8h22
